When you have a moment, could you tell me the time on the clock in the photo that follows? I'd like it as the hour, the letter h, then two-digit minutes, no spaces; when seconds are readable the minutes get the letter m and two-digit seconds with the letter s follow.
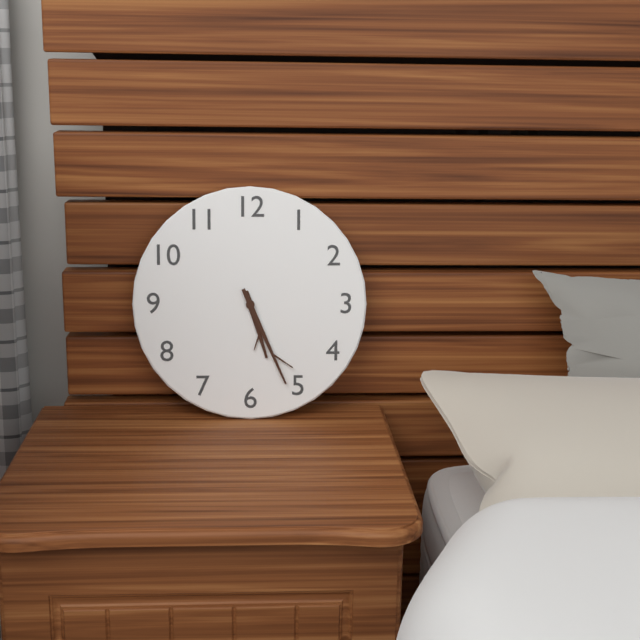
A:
5h26
